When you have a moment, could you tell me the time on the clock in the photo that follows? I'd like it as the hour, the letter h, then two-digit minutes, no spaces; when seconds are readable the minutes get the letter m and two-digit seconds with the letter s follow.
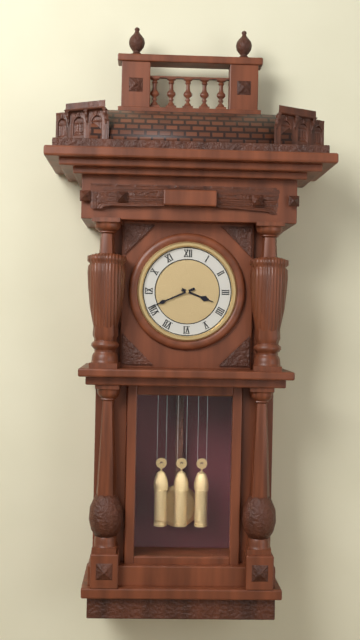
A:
3h41
